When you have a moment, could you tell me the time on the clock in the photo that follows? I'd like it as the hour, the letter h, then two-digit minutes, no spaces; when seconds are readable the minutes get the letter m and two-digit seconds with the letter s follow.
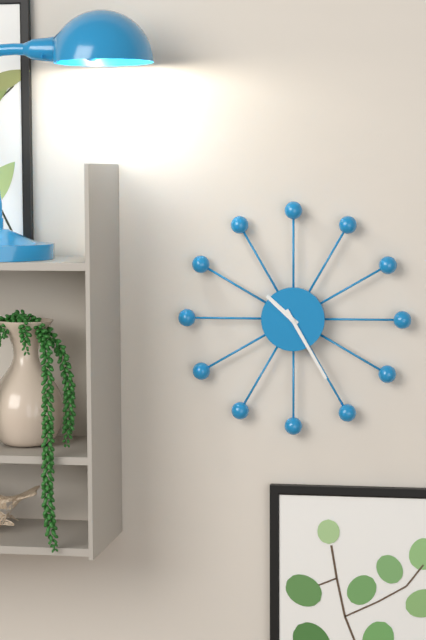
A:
10h25
